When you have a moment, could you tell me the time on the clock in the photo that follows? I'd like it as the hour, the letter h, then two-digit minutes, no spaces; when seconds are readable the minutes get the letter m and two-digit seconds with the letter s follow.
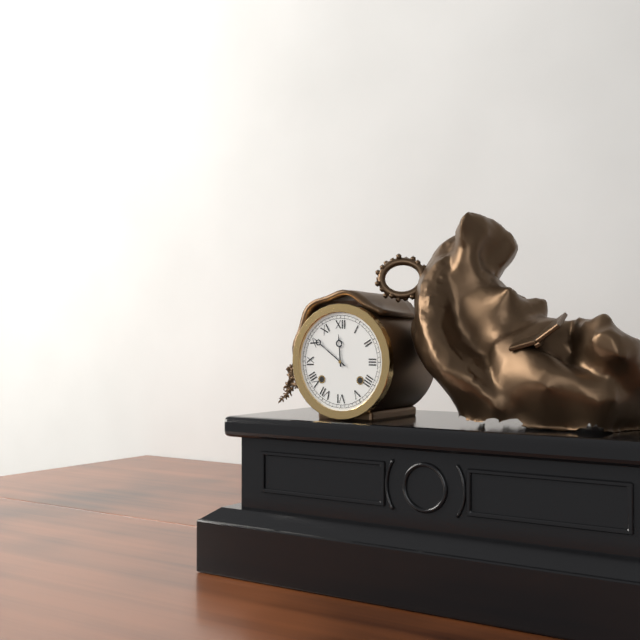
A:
11h51
